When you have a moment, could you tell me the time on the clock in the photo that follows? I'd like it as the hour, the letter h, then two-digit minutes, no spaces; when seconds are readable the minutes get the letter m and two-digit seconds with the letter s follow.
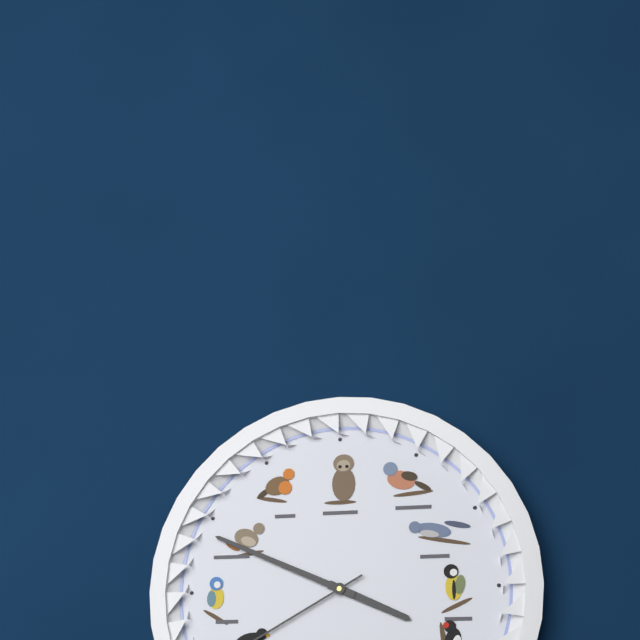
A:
3h49
